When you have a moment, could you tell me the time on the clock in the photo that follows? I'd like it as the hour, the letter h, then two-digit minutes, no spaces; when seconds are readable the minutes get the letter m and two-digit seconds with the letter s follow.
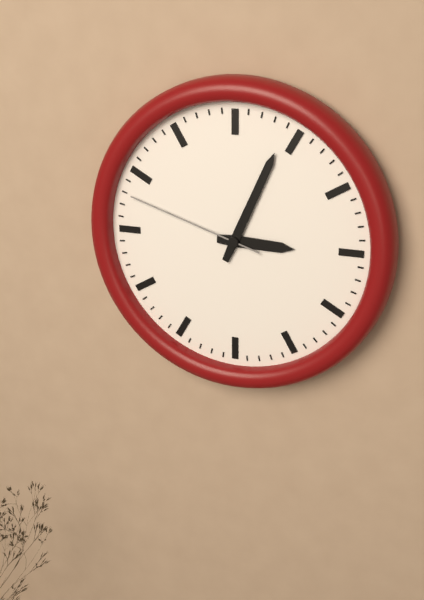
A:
3h04m48s
